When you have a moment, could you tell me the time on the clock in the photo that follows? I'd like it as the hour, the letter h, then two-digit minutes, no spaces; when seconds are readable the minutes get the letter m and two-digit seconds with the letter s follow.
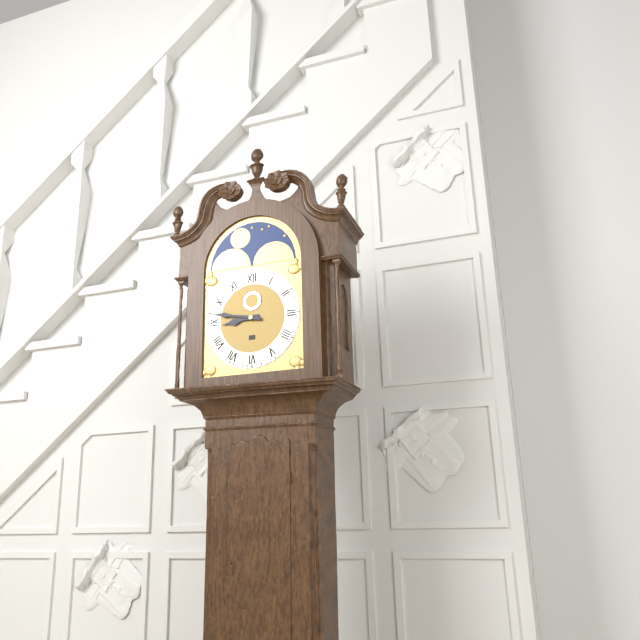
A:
8h47
